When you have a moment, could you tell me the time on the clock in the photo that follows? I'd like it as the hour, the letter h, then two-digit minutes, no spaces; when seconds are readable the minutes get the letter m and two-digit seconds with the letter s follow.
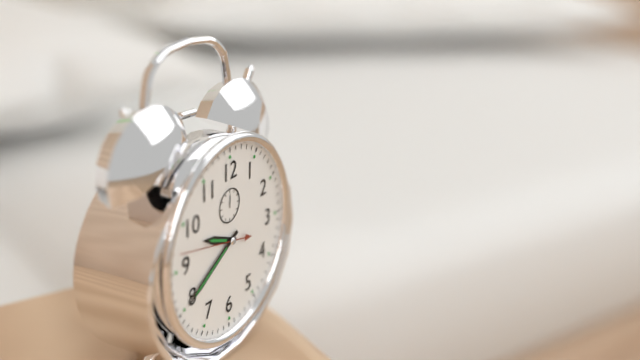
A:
9h40m47s
